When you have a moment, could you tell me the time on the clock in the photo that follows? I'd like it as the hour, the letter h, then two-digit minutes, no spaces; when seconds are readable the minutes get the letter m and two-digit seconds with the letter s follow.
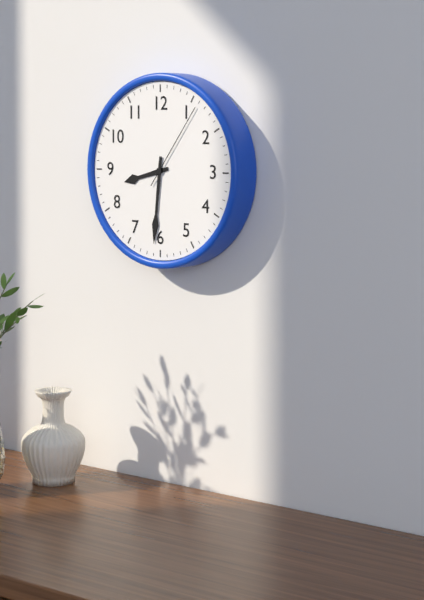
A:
8h31m06s
